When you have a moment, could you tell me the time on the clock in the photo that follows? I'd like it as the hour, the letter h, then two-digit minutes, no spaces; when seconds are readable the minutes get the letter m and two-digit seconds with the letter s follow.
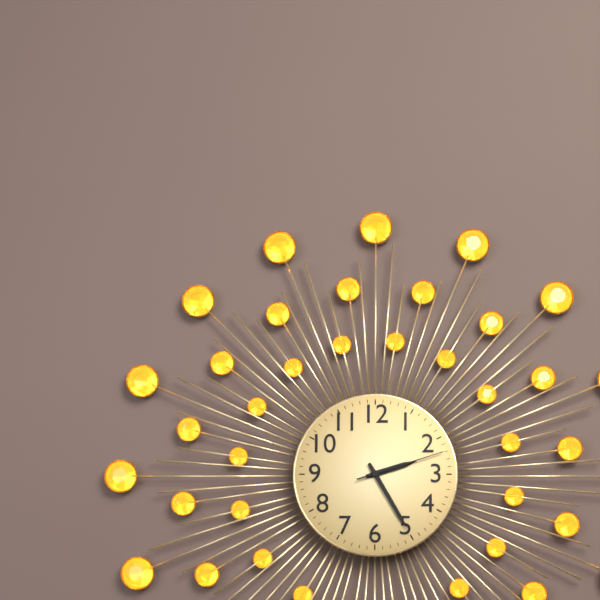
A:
2h25m12s
